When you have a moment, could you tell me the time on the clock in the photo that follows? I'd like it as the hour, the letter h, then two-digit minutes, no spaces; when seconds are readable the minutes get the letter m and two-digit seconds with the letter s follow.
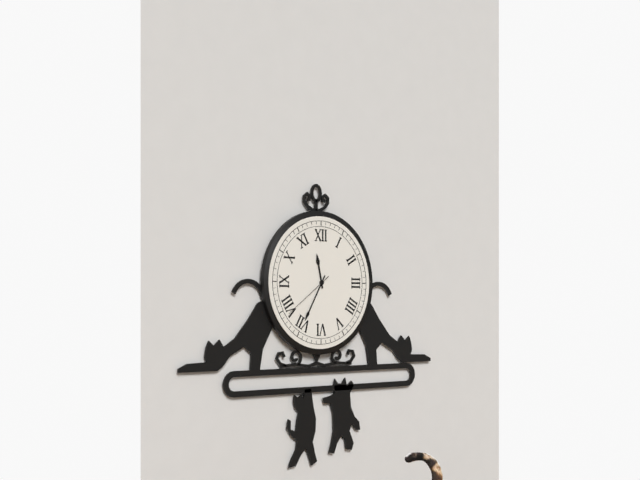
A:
11h35
